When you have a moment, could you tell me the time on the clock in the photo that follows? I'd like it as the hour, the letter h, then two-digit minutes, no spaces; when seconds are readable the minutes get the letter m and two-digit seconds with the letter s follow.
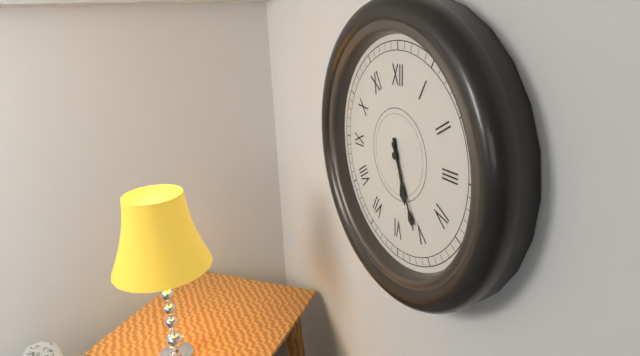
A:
5h26
